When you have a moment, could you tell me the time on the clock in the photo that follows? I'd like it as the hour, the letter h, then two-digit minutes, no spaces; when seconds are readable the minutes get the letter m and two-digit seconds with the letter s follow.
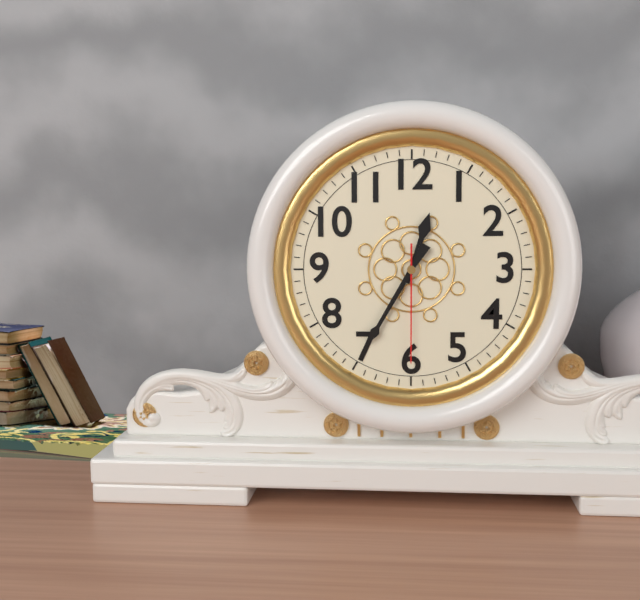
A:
12h35m30s
